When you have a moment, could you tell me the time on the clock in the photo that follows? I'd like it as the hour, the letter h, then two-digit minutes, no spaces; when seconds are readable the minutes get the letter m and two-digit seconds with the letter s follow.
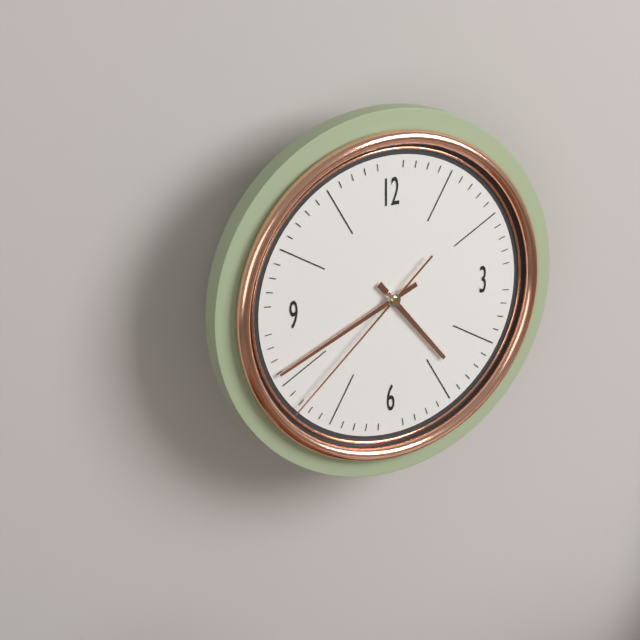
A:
4h41m38s
